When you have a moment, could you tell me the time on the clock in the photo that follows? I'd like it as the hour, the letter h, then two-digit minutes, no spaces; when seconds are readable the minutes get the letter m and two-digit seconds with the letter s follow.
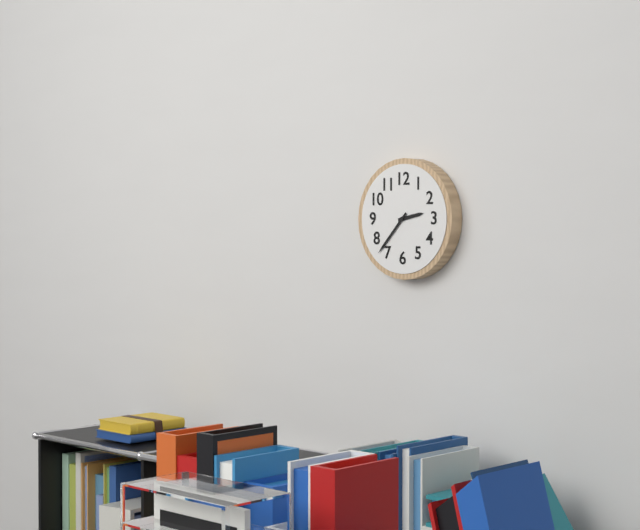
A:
2h37
